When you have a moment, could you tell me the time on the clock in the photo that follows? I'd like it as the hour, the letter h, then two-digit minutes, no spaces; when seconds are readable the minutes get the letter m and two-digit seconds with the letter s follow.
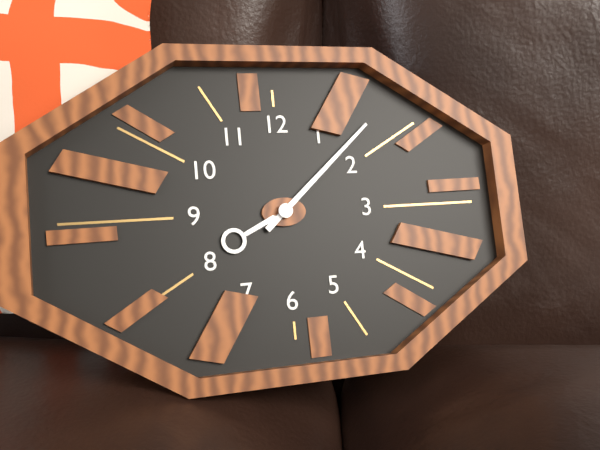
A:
8h08
